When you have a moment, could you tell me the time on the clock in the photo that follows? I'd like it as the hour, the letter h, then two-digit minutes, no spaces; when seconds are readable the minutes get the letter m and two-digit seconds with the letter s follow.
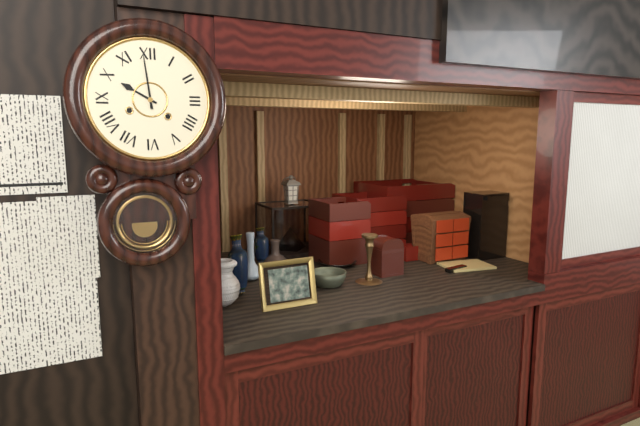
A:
9h59
